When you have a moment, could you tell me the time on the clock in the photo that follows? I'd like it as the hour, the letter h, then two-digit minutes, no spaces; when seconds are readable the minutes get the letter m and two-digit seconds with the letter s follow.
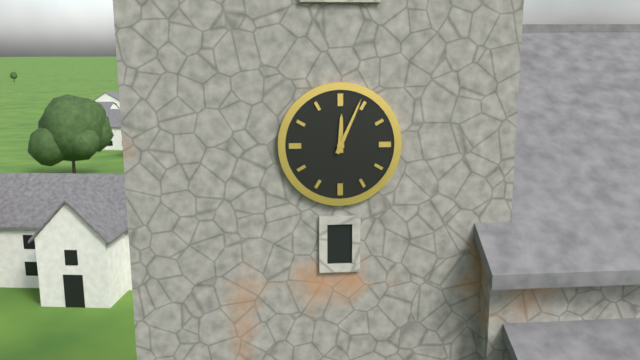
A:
12h04
